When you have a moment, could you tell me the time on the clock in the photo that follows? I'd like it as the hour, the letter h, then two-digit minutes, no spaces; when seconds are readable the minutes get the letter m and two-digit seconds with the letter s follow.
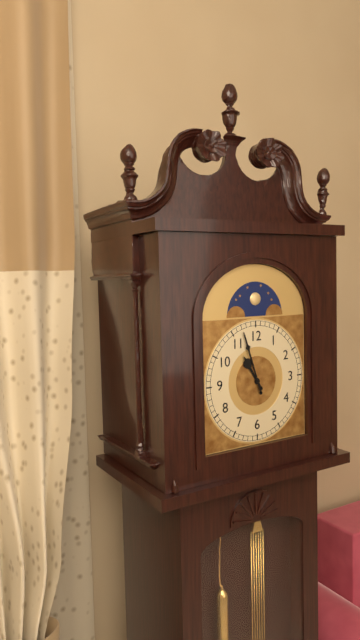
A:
10h57
